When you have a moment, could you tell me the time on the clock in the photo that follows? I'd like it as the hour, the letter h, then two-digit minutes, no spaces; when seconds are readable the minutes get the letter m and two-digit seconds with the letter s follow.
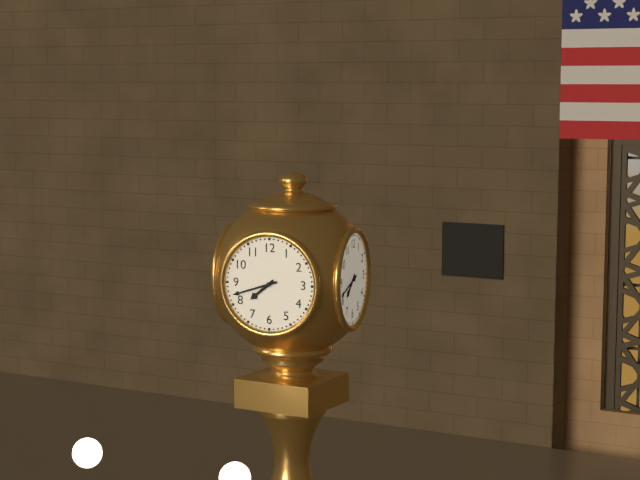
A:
7h42
